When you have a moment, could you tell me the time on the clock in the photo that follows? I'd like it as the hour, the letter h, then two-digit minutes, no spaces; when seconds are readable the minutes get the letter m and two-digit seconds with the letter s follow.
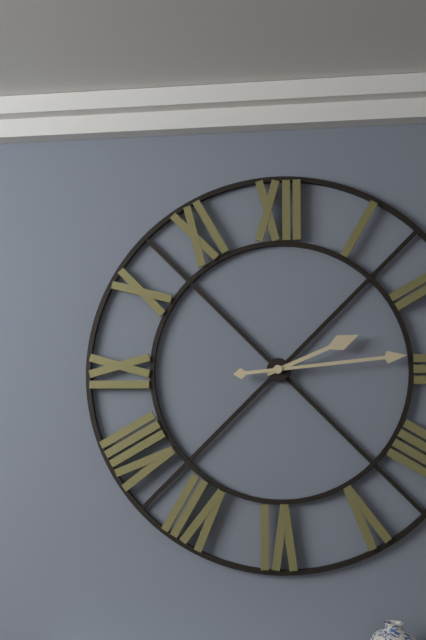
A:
2h14
